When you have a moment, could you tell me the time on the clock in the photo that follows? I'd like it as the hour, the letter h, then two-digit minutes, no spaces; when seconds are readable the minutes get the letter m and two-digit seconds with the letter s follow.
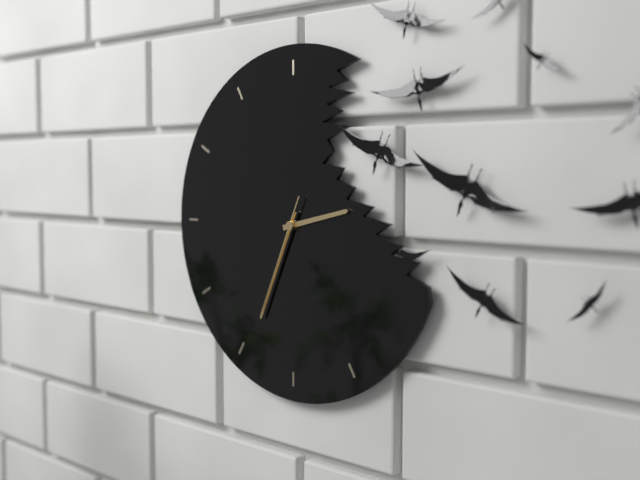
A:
2h34m34s
